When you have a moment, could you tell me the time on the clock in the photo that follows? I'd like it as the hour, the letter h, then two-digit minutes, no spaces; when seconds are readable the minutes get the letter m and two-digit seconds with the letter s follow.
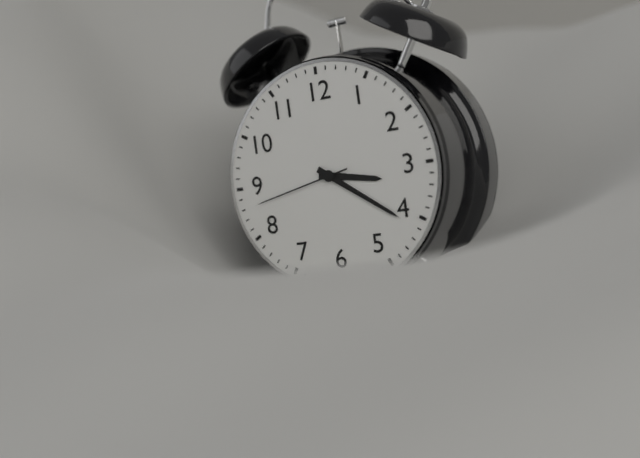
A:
3h21m43s
